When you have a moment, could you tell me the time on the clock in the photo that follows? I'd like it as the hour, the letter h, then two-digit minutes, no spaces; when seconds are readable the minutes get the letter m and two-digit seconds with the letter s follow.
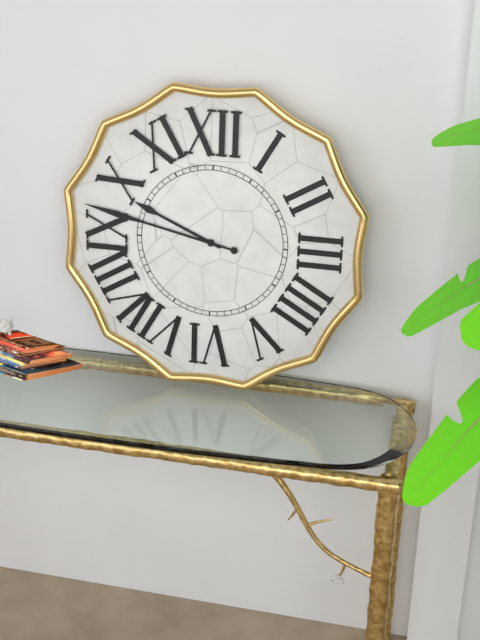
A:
9h47
